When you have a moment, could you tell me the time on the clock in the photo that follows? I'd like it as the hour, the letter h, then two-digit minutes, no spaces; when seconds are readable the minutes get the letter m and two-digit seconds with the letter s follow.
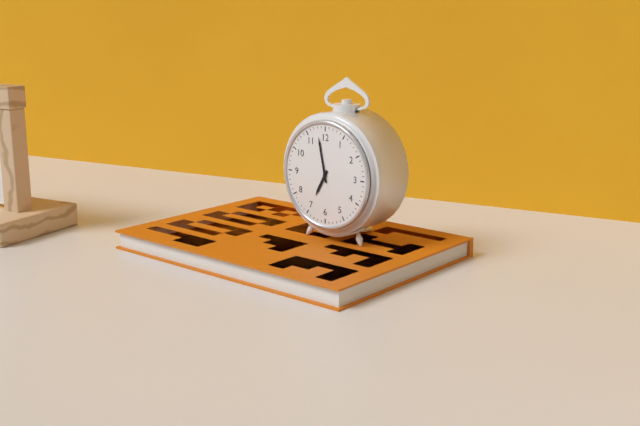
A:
6h58
